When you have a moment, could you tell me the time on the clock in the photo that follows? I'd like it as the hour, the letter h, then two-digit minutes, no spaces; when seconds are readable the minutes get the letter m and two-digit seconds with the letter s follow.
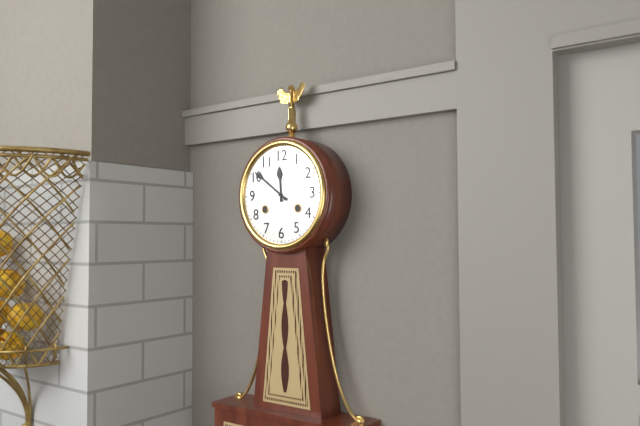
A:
11h51
